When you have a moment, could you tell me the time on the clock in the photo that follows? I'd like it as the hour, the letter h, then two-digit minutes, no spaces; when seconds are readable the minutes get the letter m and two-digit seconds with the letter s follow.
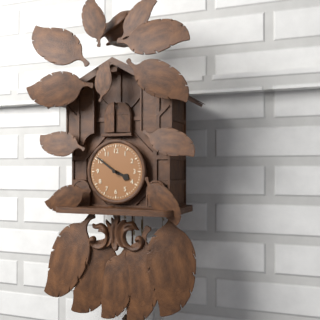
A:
3h51
